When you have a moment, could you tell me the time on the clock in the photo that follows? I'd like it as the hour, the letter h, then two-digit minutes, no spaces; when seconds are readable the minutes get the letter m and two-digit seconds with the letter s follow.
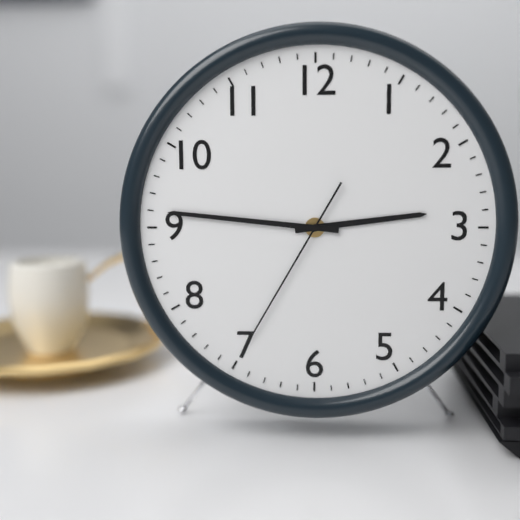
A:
2h46m35s
